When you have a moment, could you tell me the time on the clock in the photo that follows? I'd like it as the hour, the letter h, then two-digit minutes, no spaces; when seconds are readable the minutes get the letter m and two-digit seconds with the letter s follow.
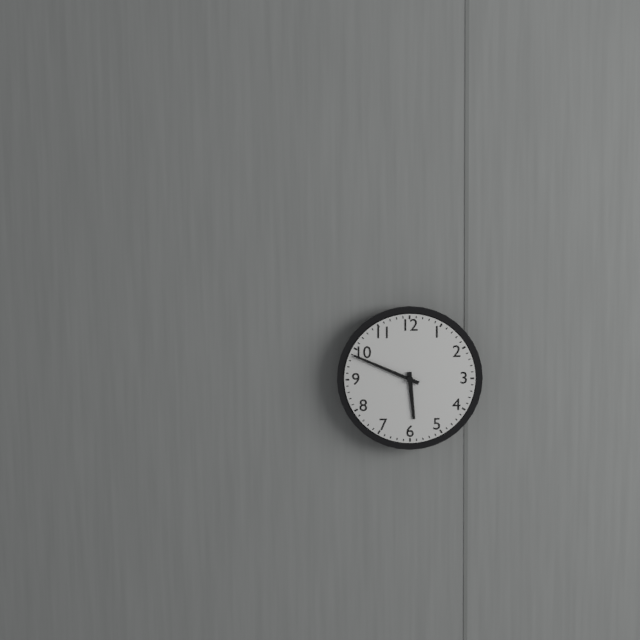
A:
5h49
